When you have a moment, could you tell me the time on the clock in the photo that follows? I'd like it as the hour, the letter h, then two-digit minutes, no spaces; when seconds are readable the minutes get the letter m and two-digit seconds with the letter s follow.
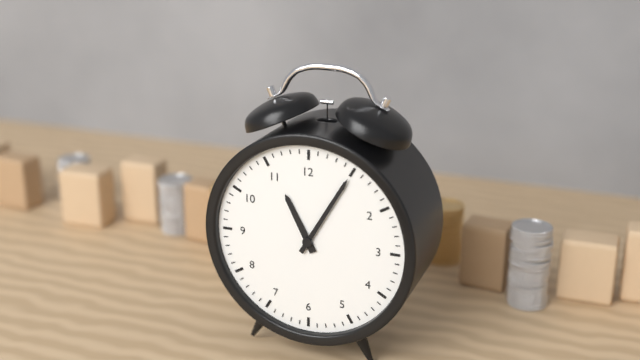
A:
11h05
